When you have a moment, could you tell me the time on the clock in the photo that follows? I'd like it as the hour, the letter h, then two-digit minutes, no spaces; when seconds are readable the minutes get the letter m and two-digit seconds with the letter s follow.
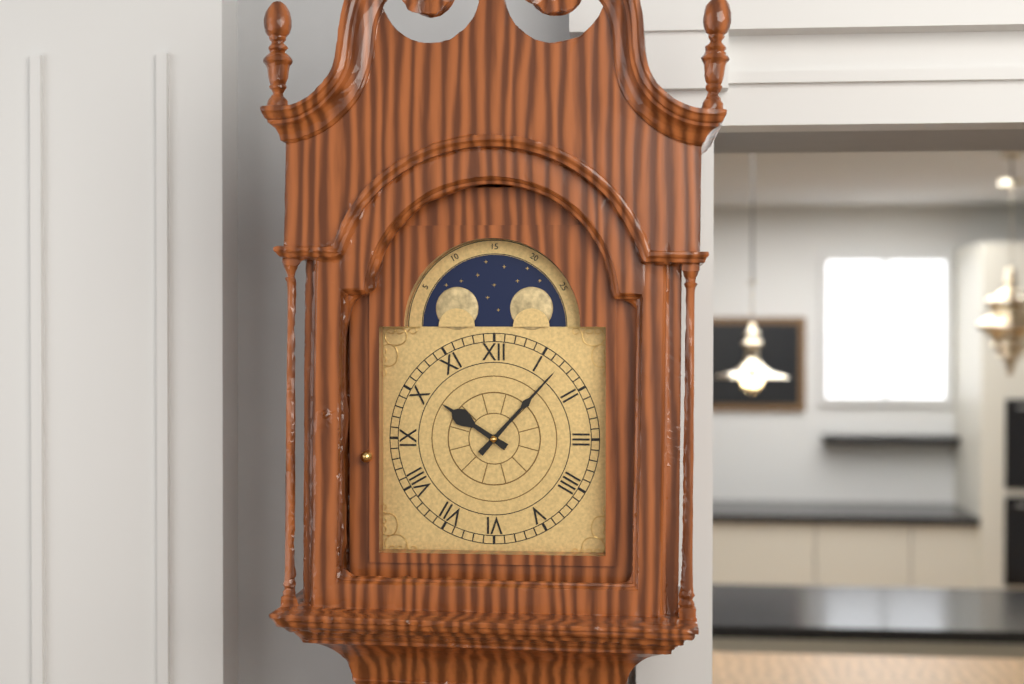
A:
10h07
